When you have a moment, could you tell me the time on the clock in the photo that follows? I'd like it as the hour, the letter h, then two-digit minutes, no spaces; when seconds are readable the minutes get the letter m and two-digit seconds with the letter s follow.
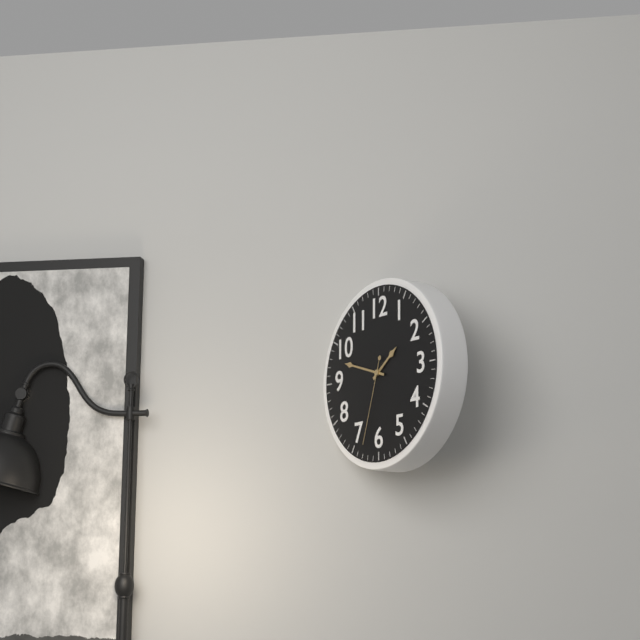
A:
1h48m33s
